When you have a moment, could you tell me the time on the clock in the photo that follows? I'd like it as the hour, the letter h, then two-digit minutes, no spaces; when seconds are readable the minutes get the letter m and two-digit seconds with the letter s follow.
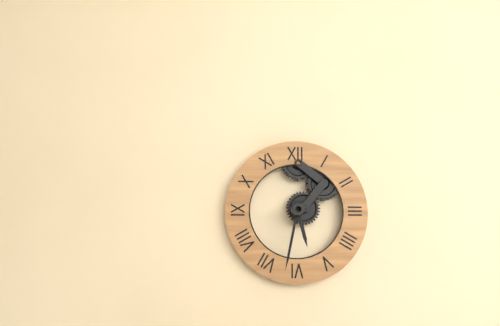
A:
5h32
